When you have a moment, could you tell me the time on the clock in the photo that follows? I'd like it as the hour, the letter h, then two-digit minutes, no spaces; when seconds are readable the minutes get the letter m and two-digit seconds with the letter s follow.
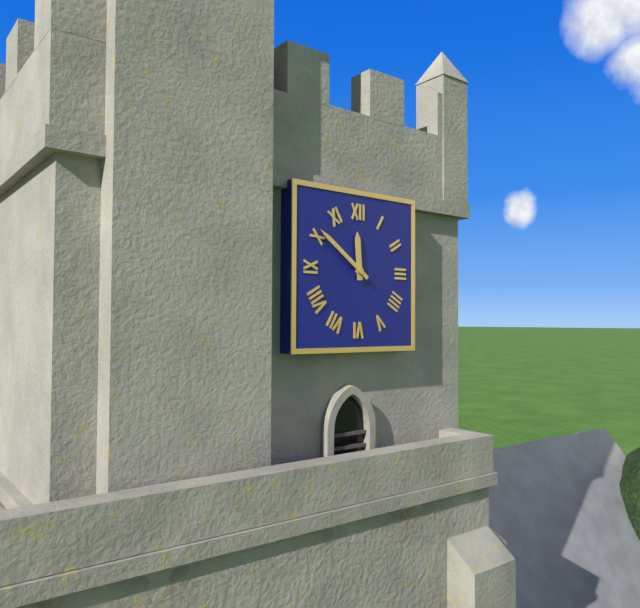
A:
11h51
